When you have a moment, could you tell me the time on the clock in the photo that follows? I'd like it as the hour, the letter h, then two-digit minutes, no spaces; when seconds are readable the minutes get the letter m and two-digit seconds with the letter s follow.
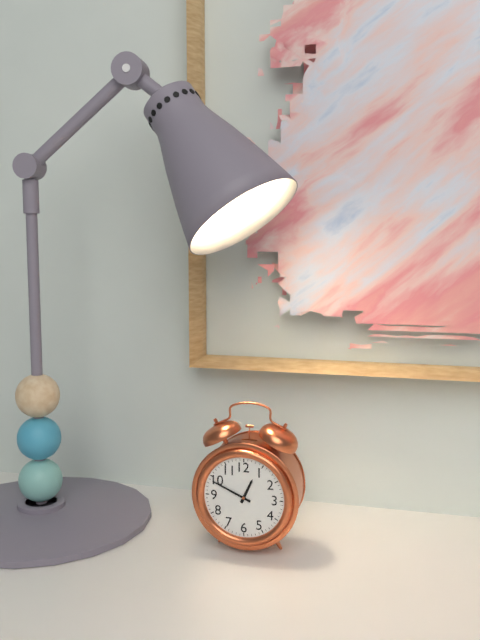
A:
12h49
